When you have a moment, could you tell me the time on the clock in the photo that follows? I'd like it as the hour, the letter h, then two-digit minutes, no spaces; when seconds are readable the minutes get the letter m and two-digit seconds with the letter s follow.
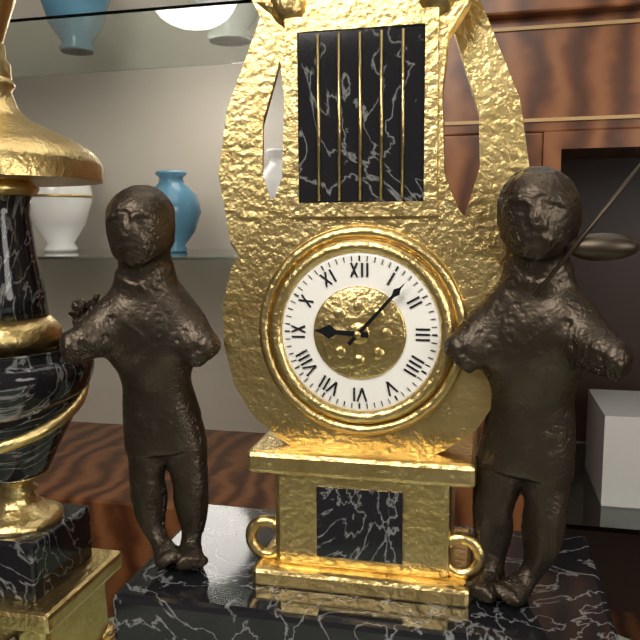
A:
9h07
